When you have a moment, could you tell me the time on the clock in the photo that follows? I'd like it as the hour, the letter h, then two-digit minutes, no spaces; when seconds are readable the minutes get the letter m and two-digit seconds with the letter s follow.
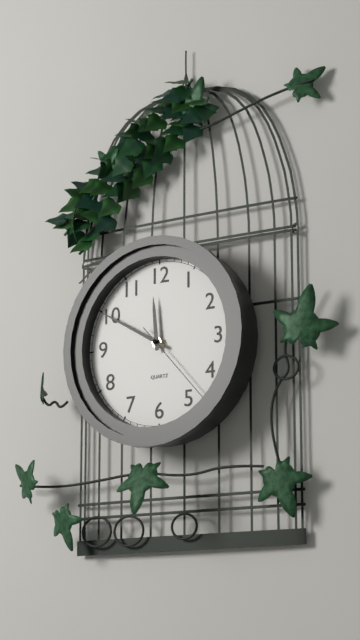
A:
11h50m23s
